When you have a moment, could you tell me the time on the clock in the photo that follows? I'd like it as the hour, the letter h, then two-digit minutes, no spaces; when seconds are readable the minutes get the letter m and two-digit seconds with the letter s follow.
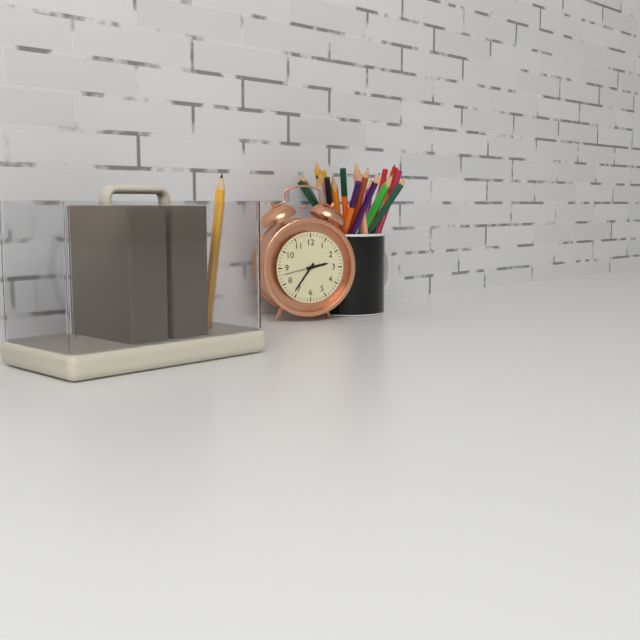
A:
2h36
